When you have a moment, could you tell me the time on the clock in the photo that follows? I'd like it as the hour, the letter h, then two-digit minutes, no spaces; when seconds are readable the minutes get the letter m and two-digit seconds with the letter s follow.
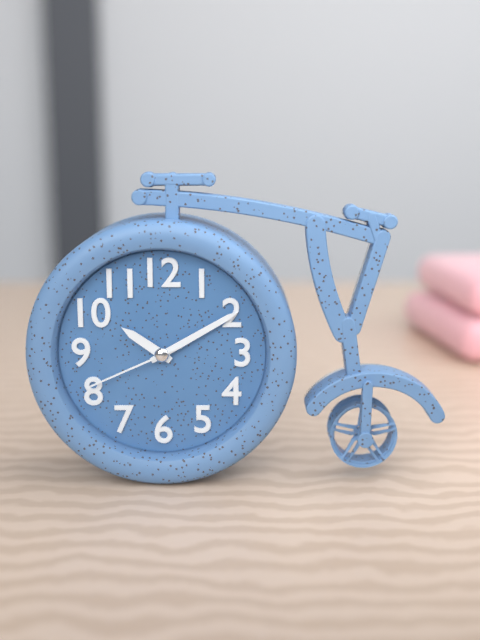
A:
10h10m41s
